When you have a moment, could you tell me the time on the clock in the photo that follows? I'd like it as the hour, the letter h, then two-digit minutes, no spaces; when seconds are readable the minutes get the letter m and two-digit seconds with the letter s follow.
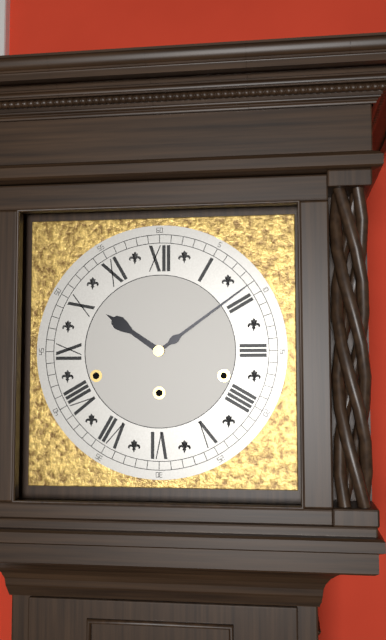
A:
10h09
